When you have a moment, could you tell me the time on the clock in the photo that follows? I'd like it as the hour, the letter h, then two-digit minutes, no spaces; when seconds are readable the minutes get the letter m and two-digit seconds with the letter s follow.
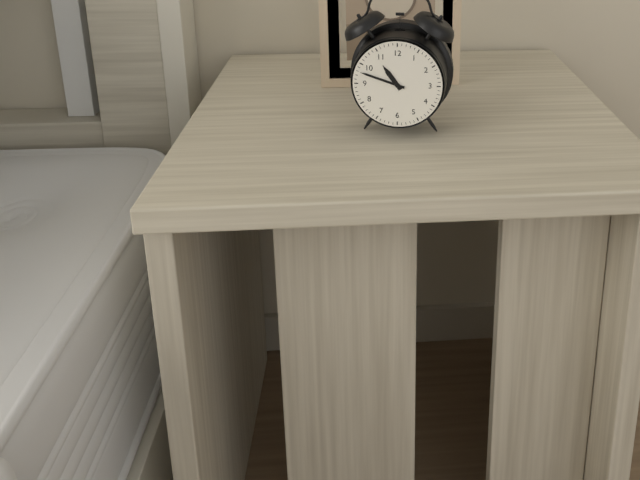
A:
10h48
